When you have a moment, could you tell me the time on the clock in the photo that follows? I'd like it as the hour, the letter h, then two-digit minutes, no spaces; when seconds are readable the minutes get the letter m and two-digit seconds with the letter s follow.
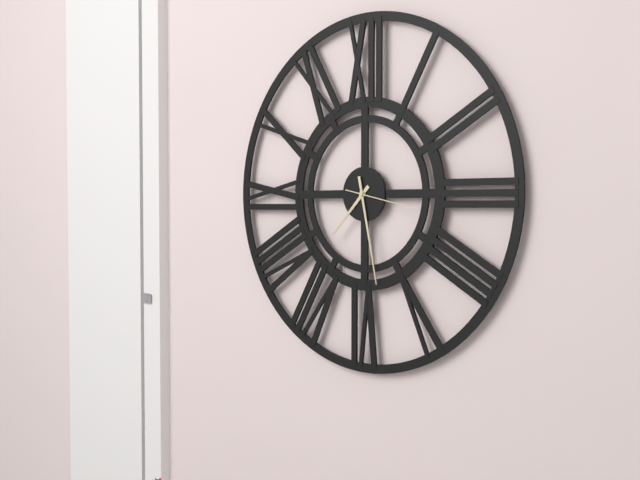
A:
7h28m17s
